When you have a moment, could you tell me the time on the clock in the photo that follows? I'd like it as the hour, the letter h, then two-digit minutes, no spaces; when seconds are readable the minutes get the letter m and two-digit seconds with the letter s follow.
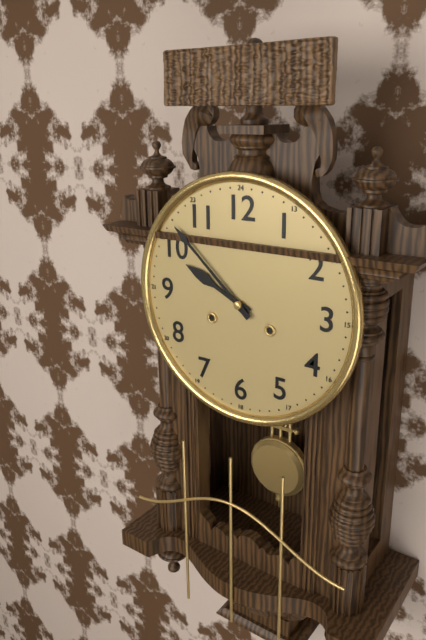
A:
9h52
